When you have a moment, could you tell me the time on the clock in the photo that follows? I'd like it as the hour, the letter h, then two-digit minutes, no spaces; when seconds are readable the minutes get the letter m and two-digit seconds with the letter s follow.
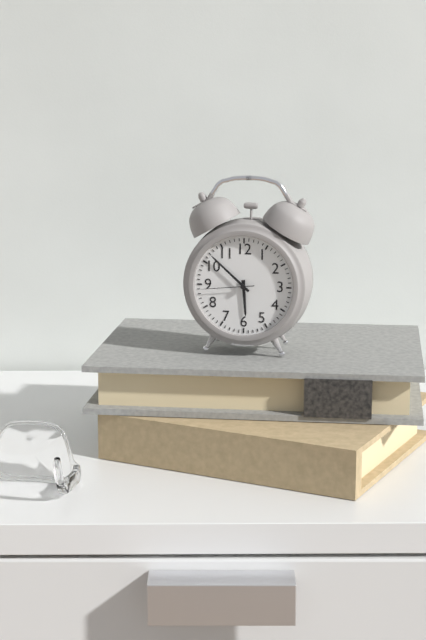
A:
5h52m44s
